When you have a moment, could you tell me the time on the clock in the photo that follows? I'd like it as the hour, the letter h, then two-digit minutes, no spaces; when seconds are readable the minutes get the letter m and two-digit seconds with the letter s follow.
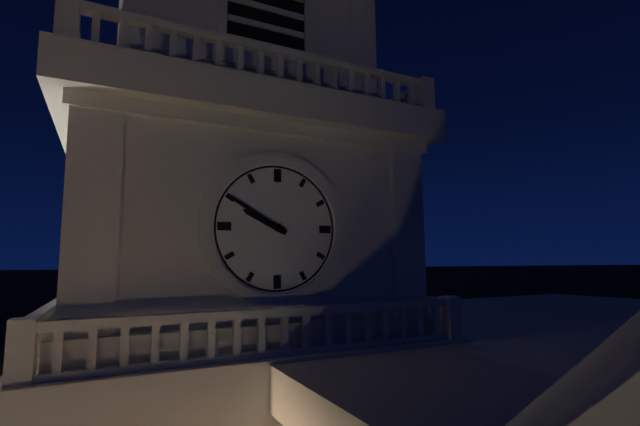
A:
9h50
